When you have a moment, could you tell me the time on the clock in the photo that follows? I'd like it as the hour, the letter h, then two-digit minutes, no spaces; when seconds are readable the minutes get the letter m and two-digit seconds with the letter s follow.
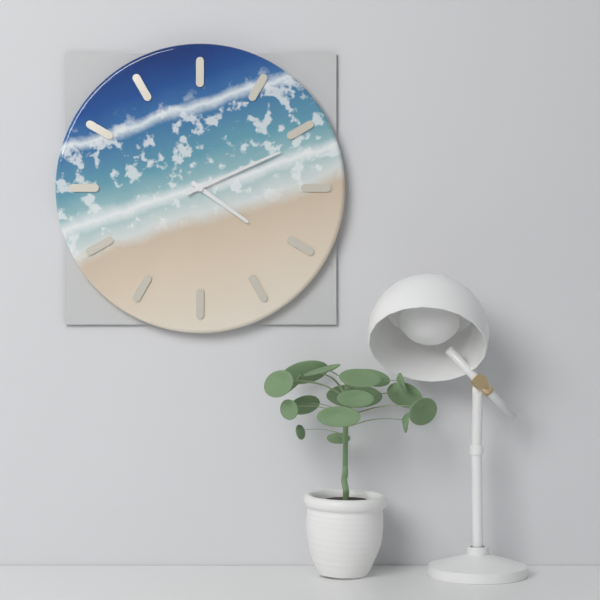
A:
4h11
